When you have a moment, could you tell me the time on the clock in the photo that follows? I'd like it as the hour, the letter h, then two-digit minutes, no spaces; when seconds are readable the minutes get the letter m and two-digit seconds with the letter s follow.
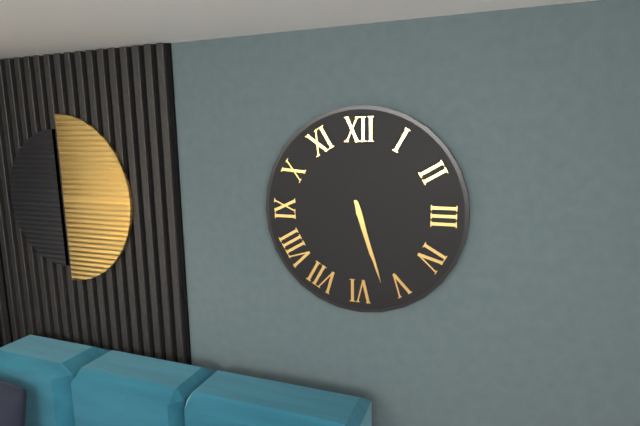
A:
5h27
